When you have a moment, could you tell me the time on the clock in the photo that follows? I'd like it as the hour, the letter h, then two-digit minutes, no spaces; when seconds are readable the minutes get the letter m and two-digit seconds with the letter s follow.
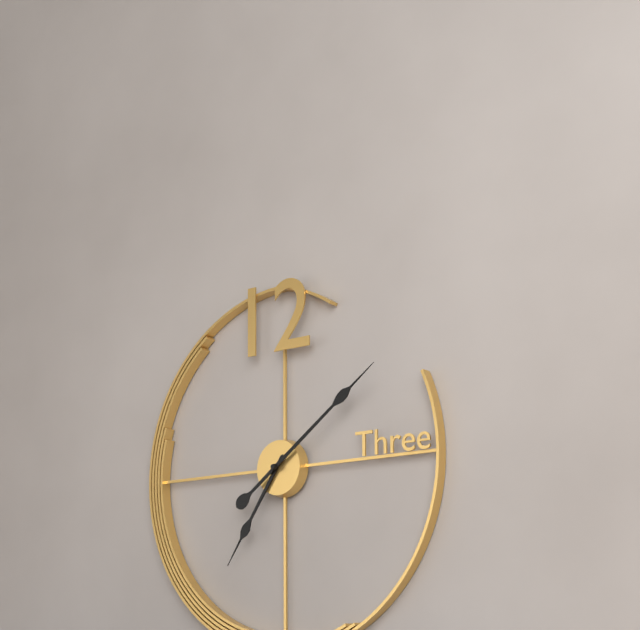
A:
7h09
